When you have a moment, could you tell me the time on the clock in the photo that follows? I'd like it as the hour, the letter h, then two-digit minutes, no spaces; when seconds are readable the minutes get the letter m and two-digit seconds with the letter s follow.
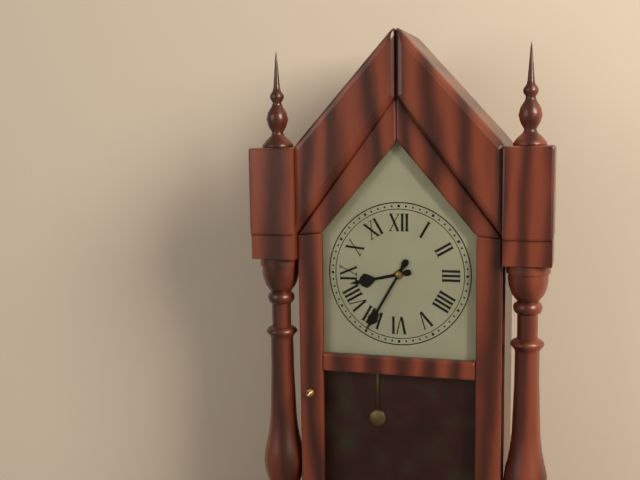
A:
8h35
